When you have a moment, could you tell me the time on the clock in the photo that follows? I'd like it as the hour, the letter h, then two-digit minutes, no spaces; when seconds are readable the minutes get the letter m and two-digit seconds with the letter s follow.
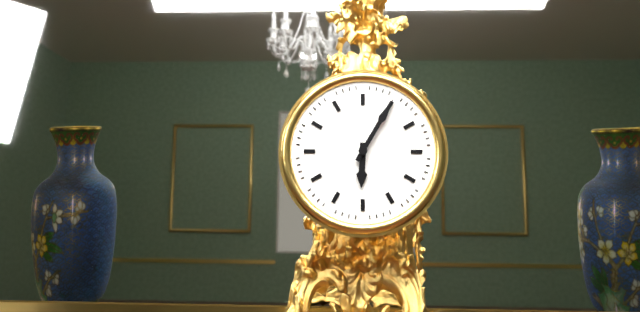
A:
6h05
